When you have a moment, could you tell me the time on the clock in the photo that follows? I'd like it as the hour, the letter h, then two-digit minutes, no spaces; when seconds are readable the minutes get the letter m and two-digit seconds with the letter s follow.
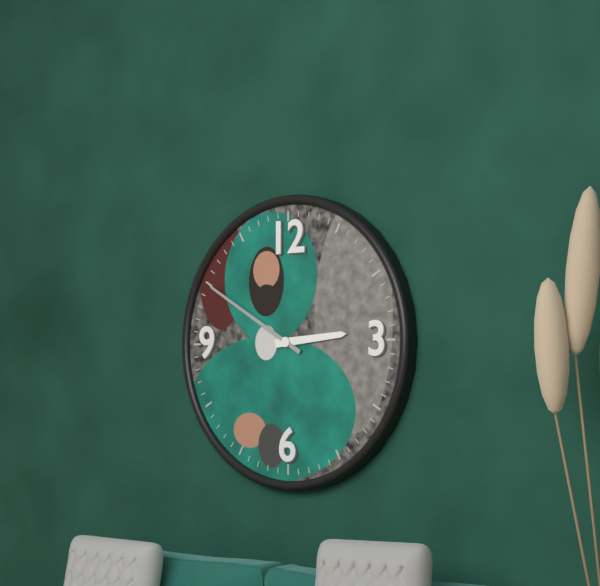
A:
2h50
